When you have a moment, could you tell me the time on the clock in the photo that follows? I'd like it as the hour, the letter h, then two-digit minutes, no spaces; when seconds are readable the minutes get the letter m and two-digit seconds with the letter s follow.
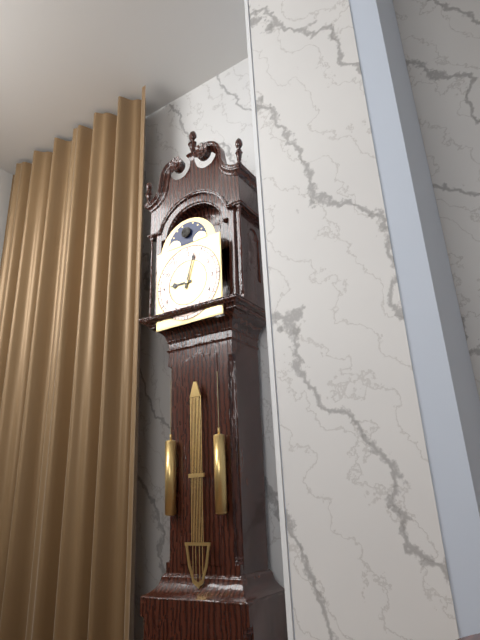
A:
9h03
